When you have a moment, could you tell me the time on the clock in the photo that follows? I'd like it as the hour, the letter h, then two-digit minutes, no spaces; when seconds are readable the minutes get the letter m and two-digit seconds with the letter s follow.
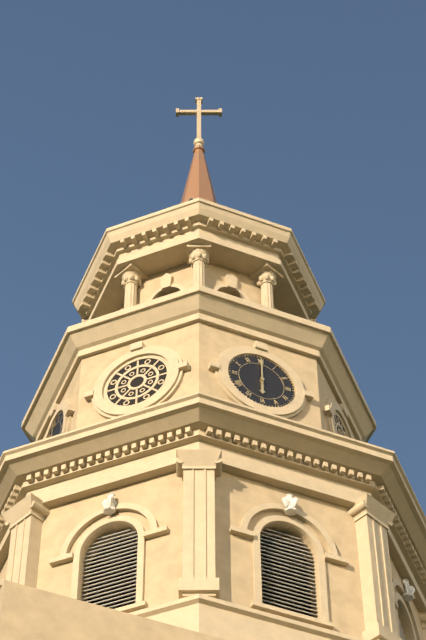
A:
6h00
